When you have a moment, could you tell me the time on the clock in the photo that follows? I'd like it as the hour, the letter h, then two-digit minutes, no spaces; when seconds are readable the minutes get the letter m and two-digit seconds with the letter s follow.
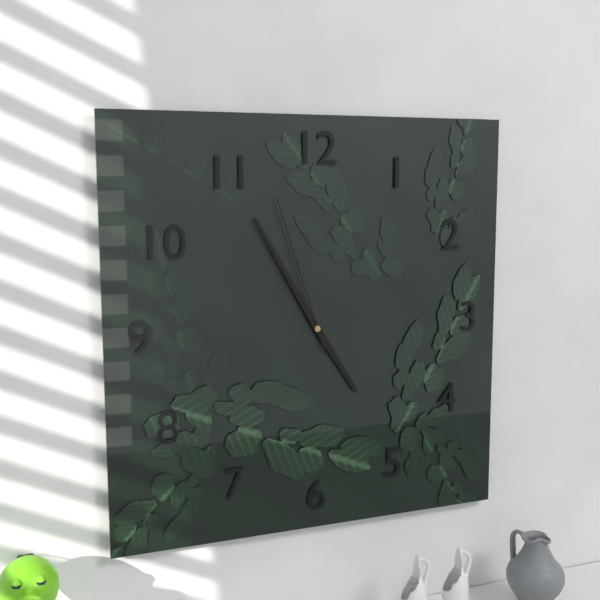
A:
4h55m57s
